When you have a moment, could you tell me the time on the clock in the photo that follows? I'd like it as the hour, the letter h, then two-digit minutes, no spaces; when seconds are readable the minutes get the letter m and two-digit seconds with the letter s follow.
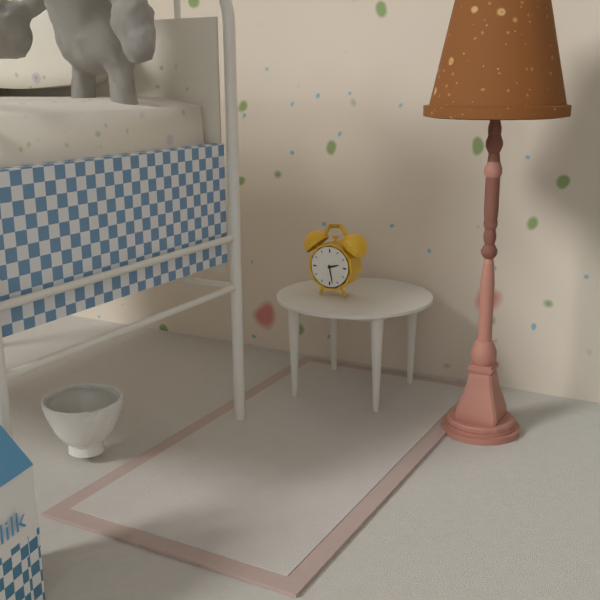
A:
2h28
